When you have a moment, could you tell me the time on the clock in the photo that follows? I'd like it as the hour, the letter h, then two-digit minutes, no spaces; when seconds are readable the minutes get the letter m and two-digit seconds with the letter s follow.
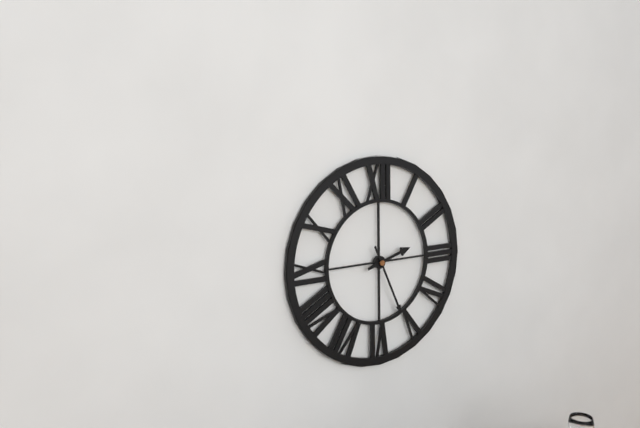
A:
2h26
